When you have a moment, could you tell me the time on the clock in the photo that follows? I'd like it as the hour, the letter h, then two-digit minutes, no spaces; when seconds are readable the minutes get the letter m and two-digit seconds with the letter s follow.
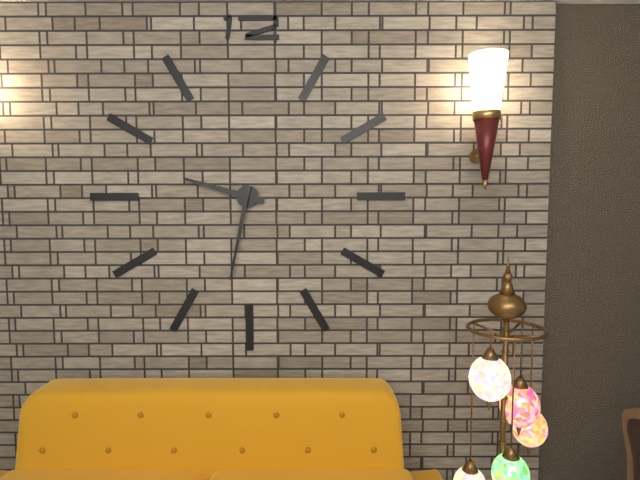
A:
9h32
